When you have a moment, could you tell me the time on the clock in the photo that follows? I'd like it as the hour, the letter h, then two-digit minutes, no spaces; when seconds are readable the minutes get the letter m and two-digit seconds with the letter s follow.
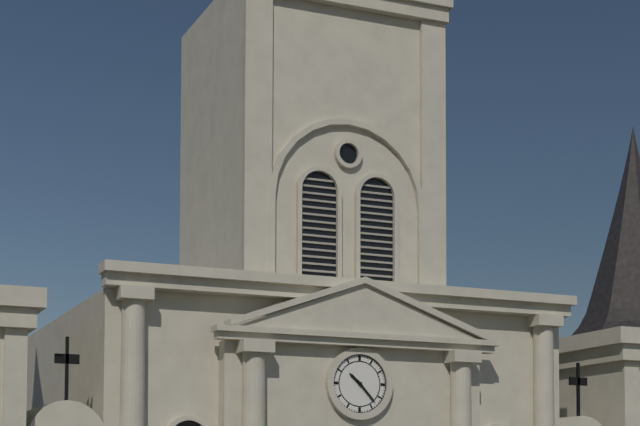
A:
10h23
